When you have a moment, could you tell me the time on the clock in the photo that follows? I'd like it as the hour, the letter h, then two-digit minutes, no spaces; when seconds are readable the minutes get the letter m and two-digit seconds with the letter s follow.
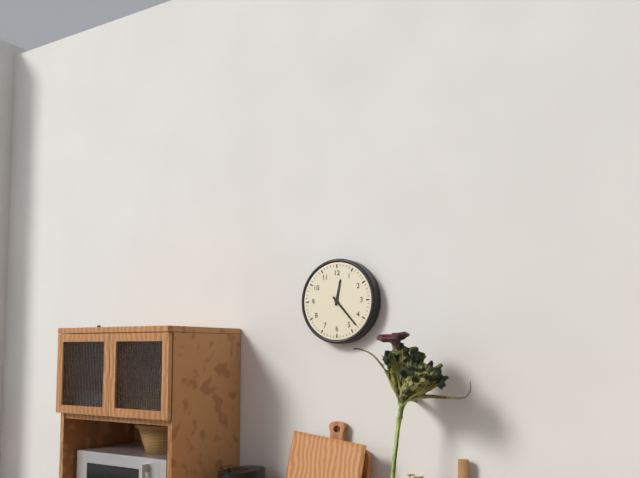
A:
12h23
